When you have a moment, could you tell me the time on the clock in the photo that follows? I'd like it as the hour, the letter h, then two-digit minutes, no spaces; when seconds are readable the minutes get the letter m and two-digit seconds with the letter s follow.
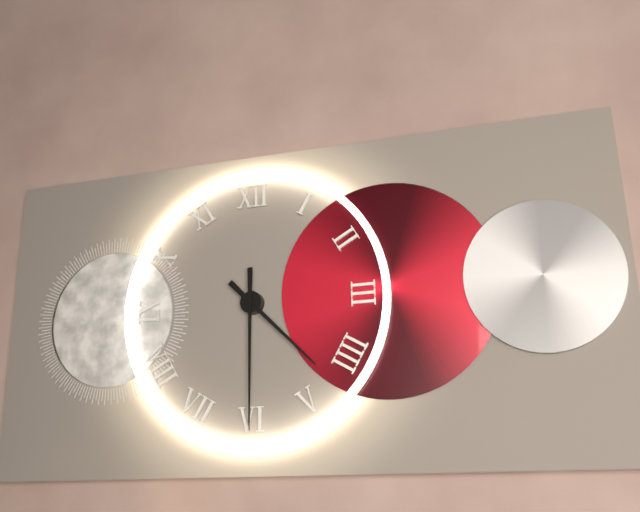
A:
4h30
